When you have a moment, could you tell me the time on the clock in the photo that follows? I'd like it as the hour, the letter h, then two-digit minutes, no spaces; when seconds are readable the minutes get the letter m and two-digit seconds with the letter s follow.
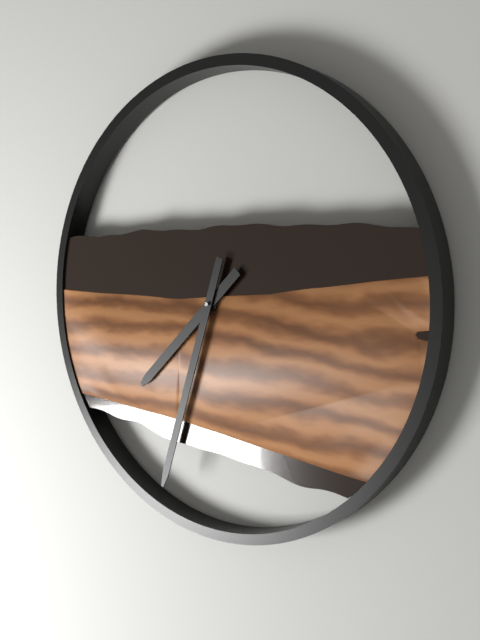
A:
7h33
